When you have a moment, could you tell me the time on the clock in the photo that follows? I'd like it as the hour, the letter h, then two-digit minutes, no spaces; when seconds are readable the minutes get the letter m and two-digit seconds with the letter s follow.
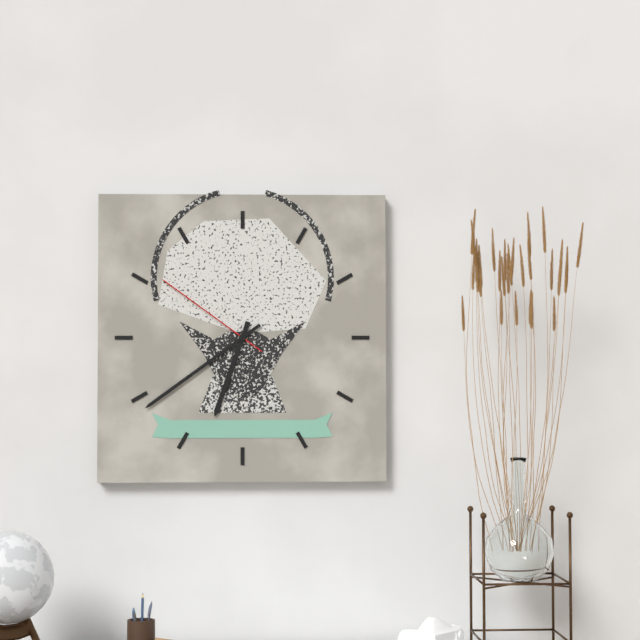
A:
6h39m51s
